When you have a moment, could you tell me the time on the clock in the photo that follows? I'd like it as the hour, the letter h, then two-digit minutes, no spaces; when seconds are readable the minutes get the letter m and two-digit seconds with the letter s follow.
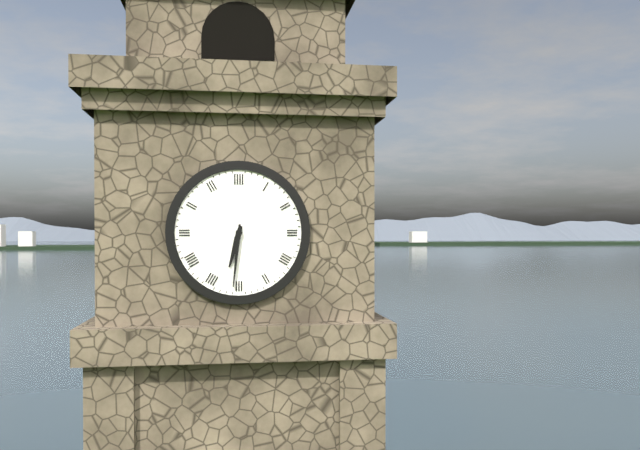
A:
6h31
